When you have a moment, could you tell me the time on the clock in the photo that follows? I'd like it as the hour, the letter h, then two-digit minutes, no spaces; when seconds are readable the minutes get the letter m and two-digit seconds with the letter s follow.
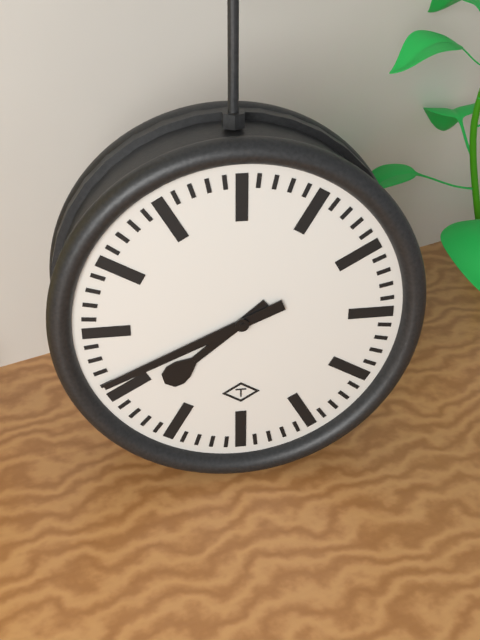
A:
7h41
